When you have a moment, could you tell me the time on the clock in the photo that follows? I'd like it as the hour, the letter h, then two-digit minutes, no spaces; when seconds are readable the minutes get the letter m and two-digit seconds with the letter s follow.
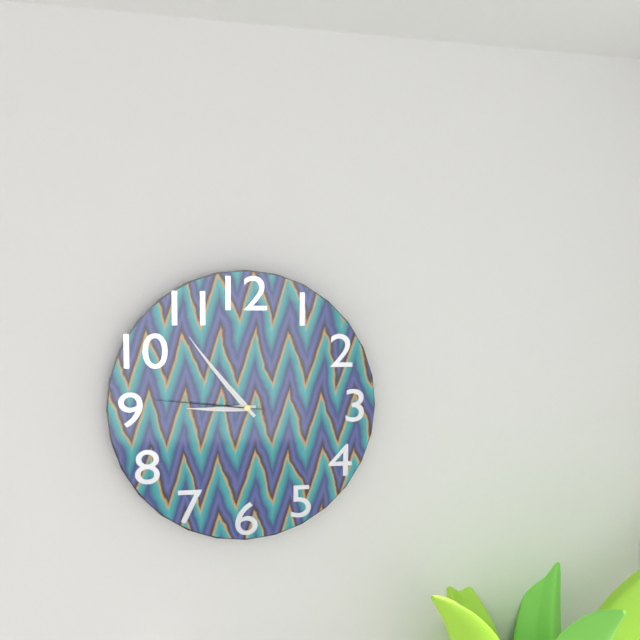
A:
8h53m46s
